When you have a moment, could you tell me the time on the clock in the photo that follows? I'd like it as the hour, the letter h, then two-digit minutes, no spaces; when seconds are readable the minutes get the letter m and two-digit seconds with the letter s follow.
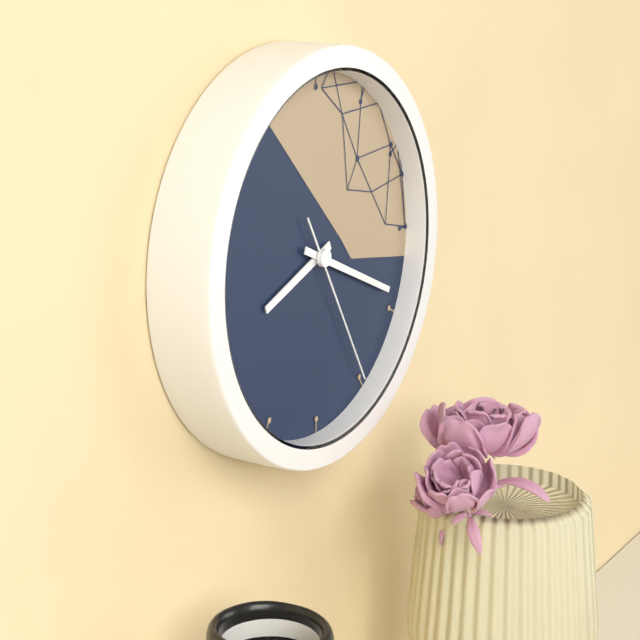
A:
8h19m25s
